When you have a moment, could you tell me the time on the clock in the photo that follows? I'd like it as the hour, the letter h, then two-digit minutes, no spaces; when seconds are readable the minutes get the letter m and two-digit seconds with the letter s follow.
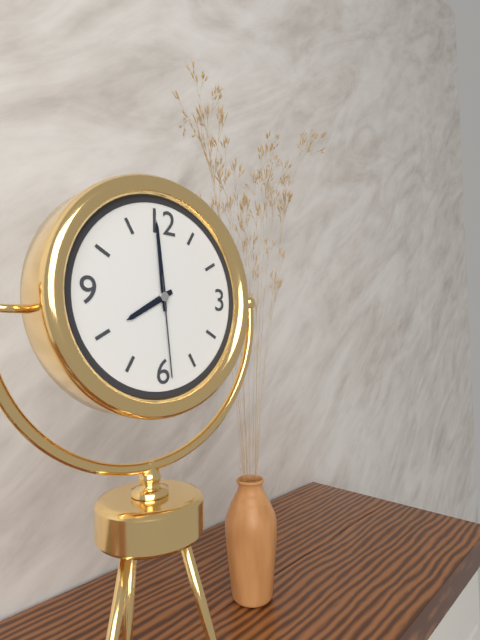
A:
7h59m29s
